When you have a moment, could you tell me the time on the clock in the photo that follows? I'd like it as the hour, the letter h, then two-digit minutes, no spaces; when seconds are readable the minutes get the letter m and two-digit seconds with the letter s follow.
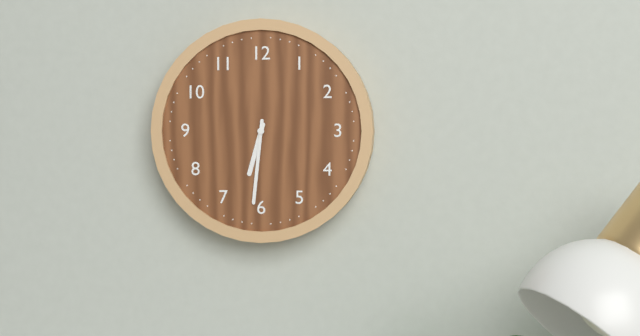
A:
6h31
